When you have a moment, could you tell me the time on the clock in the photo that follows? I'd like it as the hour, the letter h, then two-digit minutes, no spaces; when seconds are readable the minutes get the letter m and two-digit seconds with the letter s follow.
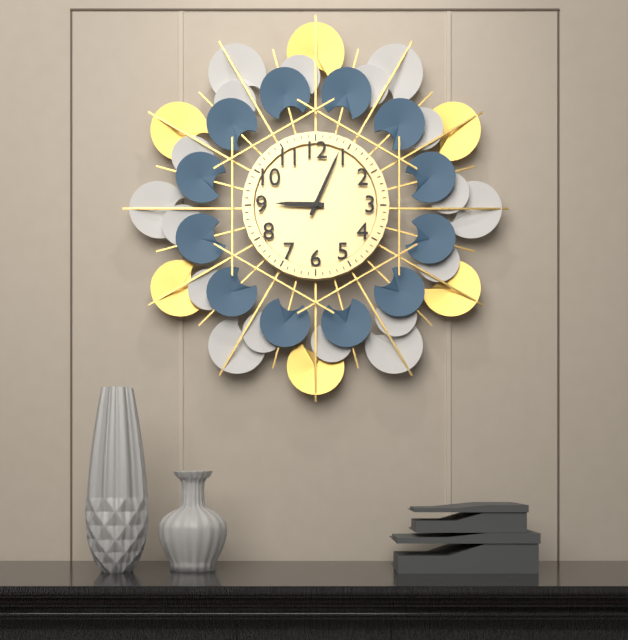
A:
9h04
